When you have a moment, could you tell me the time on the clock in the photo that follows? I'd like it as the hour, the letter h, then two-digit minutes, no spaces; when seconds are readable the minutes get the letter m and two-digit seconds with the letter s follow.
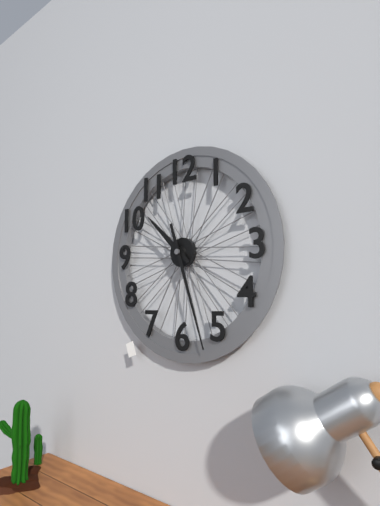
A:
10h27
